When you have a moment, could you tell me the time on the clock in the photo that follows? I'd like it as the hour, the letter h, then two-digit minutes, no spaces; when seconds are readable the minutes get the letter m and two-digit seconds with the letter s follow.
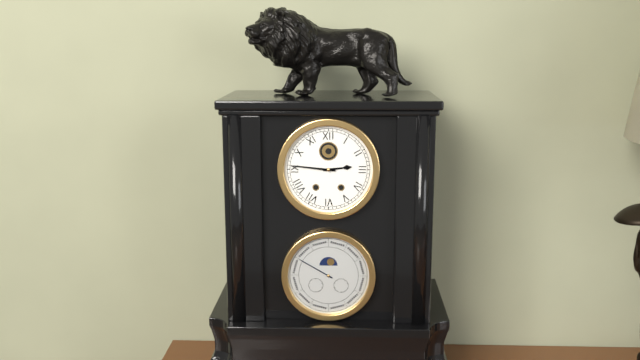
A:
2h46
